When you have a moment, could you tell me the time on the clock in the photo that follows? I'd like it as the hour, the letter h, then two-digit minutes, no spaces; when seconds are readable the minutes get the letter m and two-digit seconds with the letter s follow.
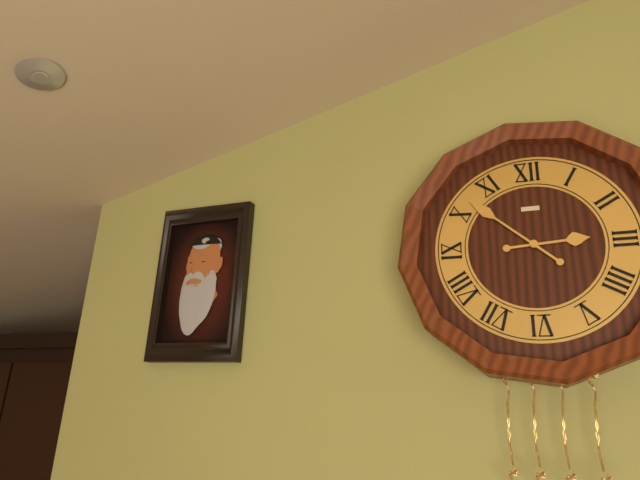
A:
2h52
